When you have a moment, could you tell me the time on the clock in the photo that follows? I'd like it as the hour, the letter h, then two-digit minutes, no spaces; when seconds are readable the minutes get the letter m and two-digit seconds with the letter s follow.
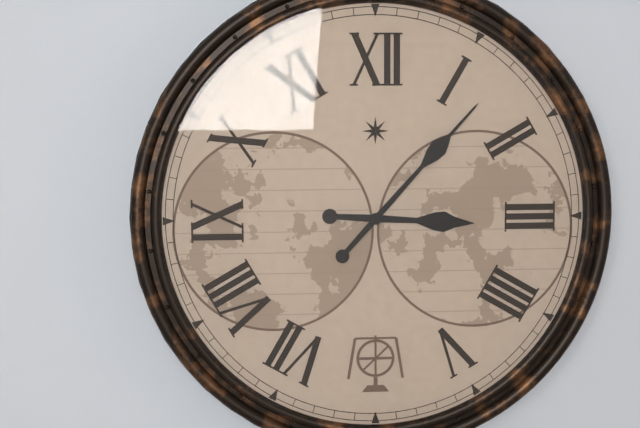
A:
3h07
